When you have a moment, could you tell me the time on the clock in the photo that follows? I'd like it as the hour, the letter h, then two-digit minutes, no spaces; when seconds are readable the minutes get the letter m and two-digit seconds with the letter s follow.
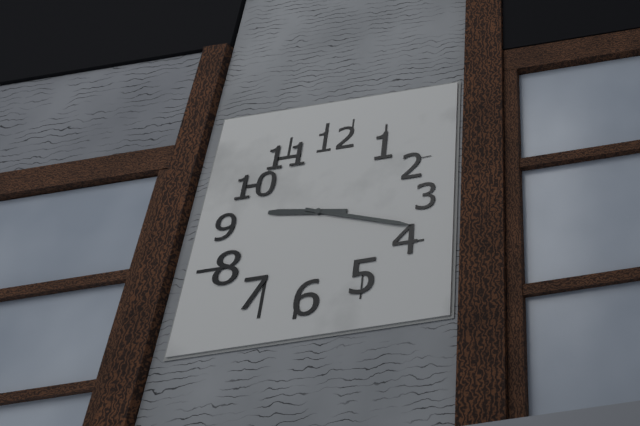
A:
9h18
